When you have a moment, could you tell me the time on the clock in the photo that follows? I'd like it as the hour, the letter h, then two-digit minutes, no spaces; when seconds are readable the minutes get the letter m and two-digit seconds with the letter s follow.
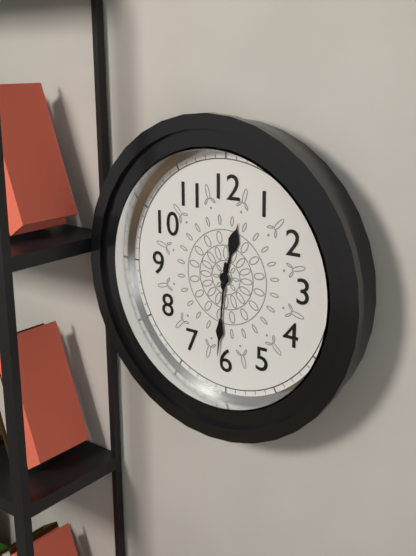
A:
12h31
